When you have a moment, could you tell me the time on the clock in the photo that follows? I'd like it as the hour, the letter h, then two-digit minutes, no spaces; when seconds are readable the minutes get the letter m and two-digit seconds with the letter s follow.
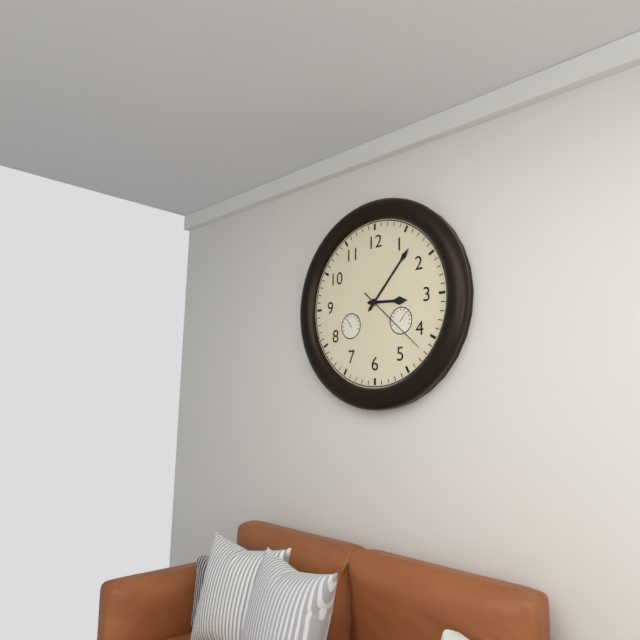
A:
3h07m22s
